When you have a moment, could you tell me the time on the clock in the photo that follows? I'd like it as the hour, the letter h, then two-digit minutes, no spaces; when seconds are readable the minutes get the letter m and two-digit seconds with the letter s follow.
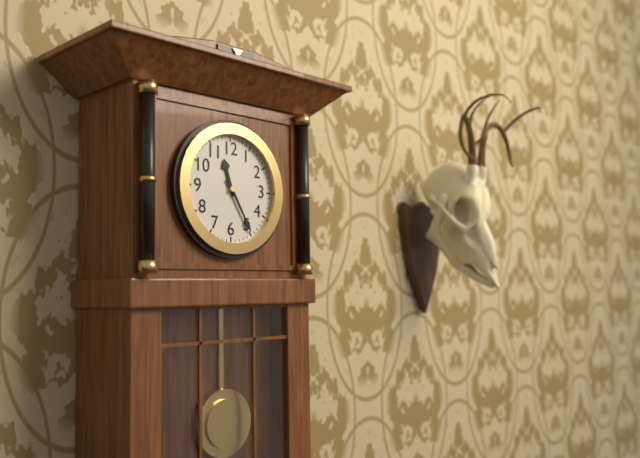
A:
11h25
